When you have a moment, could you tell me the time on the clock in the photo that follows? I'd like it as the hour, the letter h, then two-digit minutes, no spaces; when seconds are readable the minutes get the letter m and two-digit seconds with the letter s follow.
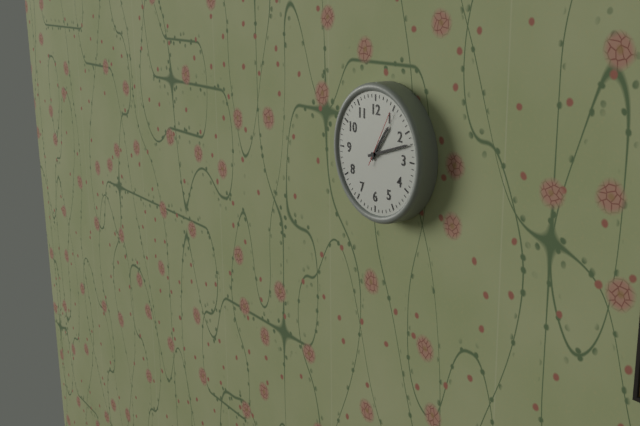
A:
1h12m05s
